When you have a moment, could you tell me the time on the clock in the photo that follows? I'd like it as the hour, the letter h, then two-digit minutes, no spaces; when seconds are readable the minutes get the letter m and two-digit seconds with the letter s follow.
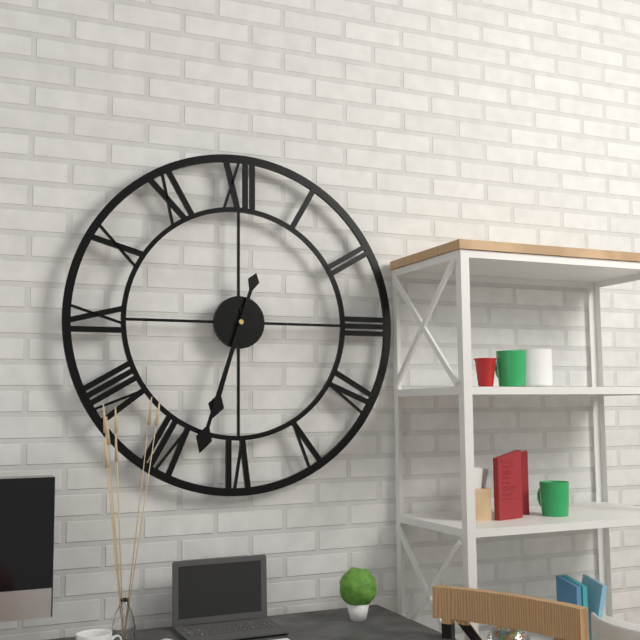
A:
6h33
